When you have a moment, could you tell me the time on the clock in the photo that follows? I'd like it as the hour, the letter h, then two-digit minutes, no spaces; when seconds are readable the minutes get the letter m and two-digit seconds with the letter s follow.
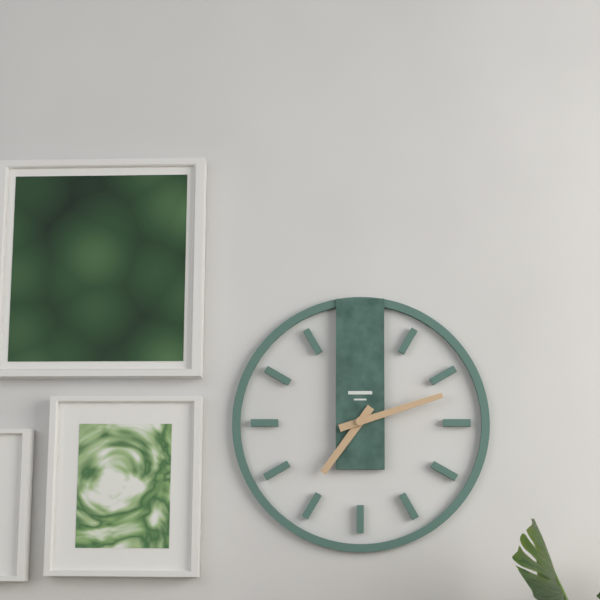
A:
7h12
